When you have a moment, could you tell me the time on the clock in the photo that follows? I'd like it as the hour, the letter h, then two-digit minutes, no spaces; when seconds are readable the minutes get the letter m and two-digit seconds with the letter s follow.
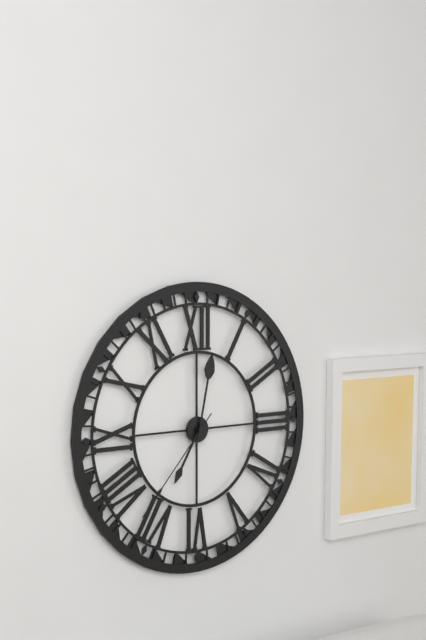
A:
7h02m37s
